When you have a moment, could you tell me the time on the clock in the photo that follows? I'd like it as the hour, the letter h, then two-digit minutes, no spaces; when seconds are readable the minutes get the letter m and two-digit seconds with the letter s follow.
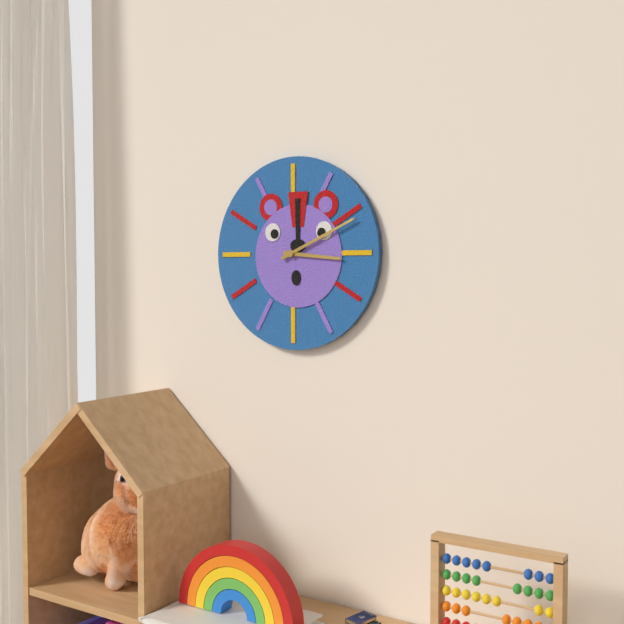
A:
3h11
